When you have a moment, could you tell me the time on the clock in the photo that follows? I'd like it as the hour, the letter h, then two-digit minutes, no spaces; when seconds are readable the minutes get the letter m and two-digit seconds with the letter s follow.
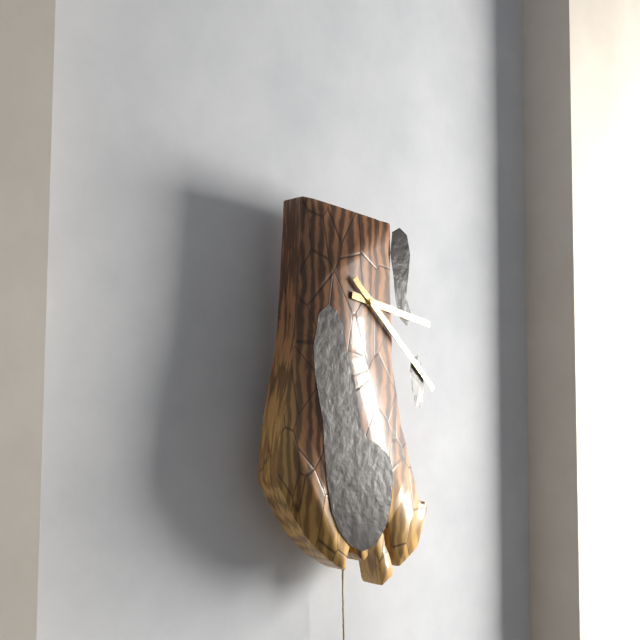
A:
3h22
